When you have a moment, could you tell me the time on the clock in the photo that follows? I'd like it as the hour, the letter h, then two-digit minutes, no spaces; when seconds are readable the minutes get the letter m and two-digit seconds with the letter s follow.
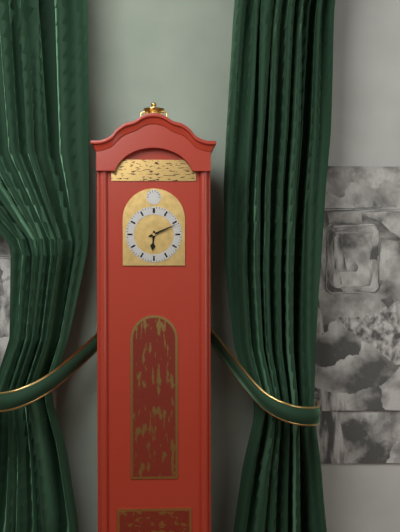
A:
6h11
